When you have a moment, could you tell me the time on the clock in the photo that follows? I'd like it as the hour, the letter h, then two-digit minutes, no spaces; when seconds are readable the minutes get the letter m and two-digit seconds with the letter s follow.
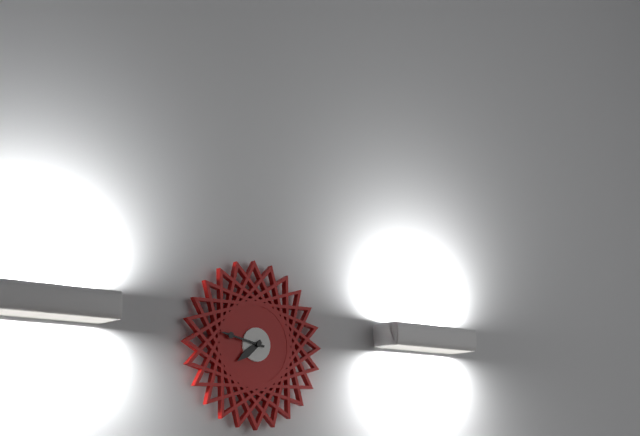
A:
7h47
